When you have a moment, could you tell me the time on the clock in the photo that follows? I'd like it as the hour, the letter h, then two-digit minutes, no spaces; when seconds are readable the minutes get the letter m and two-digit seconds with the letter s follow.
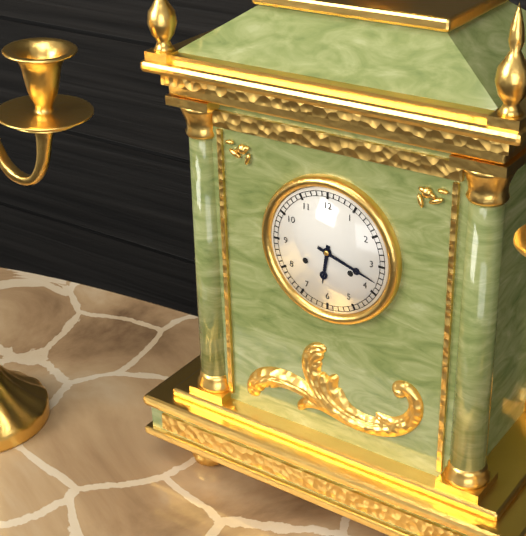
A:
6h18
